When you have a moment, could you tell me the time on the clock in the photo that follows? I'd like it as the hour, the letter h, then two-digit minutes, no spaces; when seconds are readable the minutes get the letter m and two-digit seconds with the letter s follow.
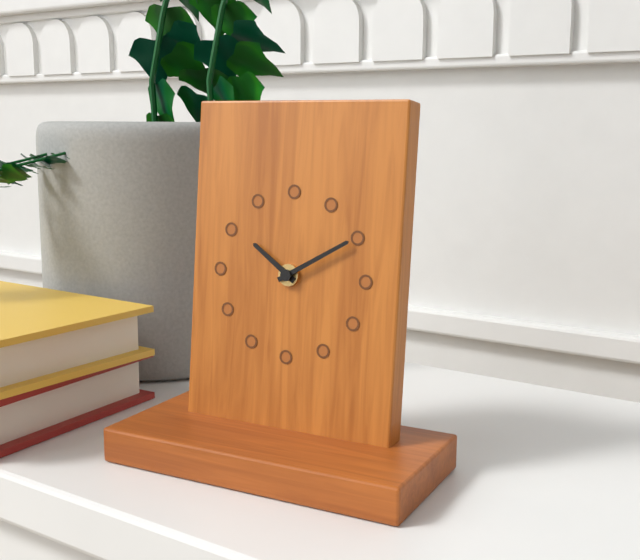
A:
10h10
